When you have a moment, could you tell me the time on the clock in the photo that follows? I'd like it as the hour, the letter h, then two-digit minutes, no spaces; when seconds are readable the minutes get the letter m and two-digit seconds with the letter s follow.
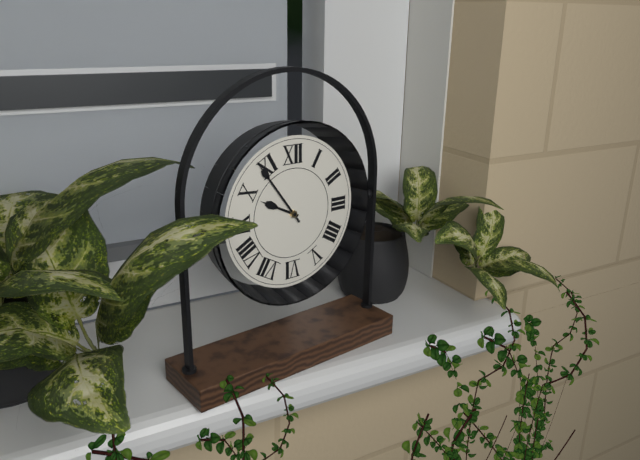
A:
9h54
